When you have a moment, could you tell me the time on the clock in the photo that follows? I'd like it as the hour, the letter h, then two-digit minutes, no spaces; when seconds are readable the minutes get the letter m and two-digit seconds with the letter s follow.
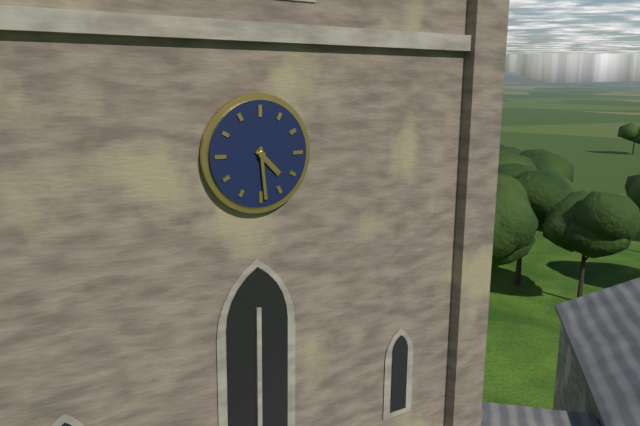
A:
4h29
